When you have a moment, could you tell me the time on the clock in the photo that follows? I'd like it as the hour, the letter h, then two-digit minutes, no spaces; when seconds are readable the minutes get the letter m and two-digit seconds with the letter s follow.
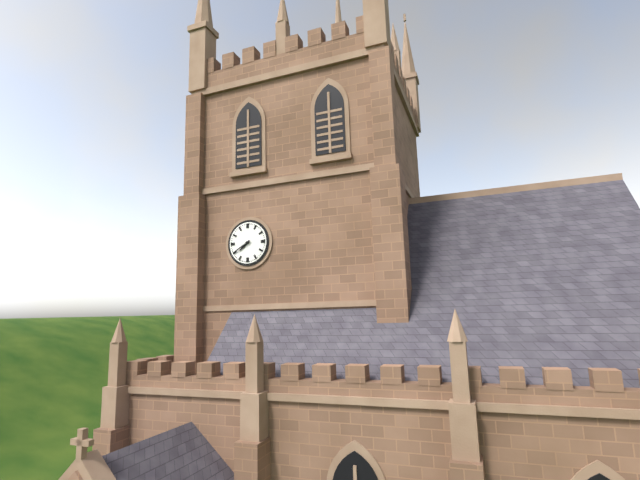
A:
7h40
